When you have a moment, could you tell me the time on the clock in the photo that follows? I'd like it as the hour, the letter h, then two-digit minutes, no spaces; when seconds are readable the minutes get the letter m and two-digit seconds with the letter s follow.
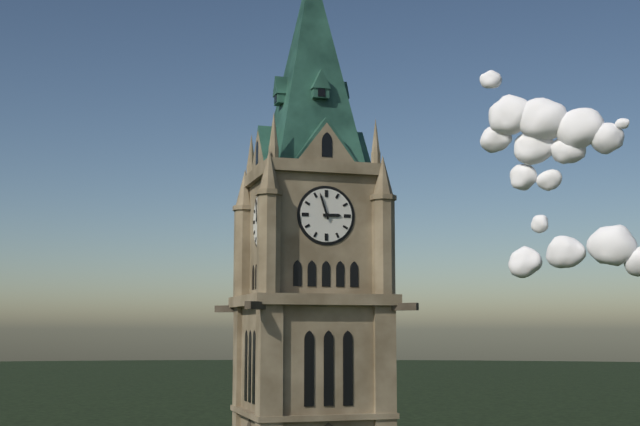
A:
2h57
